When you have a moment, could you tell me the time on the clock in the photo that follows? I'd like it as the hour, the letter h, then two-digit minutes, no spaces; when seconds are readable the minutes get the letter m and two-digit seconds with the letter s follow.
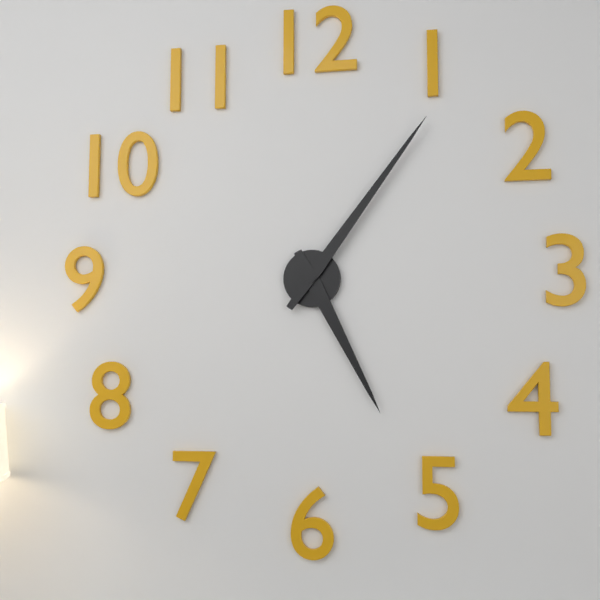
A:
5h06
